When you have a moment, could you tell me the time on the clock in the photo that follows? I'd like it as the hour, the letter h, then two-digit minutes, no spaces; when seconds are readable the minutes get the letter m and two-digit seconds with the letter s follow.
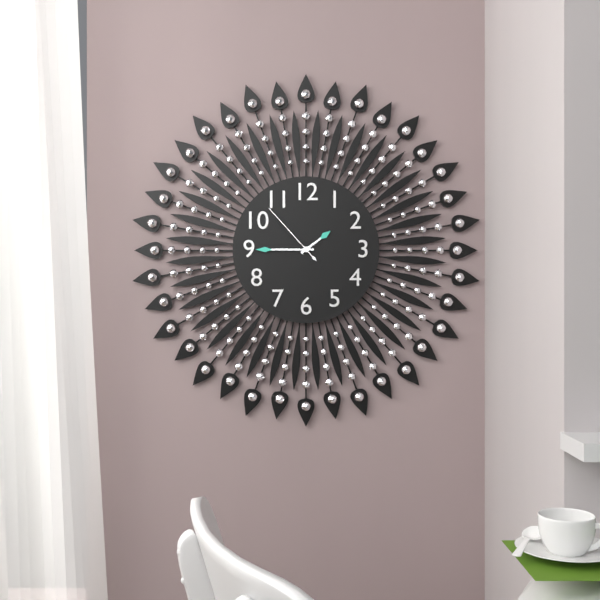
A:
1h45m53s
